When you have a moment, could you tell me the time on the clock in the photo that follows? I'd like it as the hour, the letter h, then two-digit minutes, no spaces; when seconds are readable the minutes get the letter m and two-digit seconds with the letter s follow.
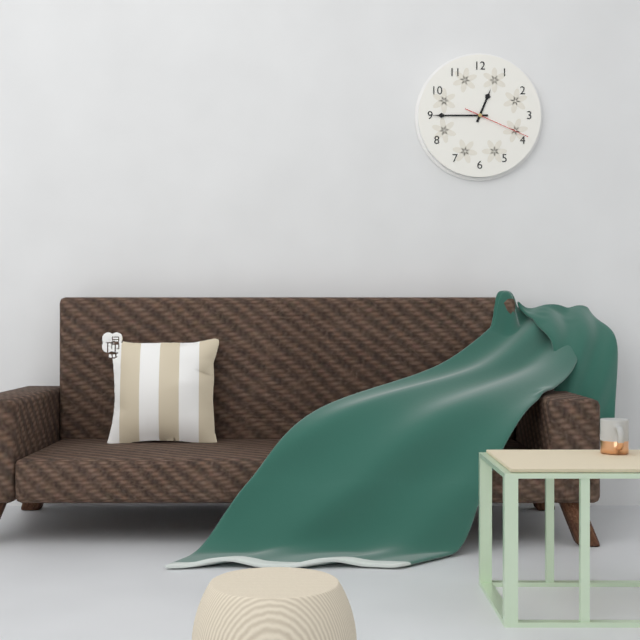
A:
12h45m19s
